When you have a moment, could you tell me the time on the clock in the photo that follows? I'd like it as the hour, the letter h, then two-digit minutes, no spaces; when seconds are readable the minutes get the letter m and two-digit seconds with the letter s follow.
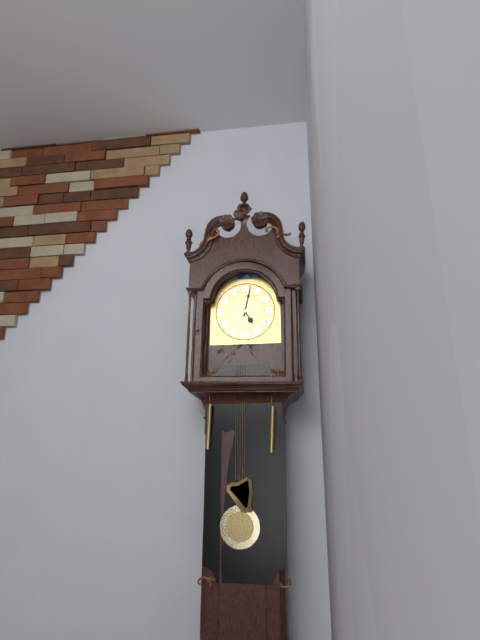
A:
5h02
